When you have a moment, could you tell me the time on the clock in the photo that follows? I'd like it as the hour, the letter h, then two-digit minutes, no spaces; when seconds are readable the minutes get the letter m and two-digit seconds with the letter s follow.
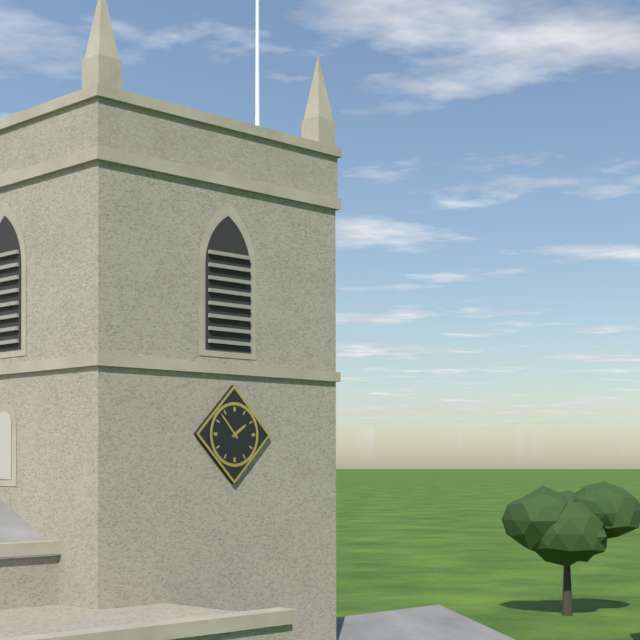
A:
1h53
